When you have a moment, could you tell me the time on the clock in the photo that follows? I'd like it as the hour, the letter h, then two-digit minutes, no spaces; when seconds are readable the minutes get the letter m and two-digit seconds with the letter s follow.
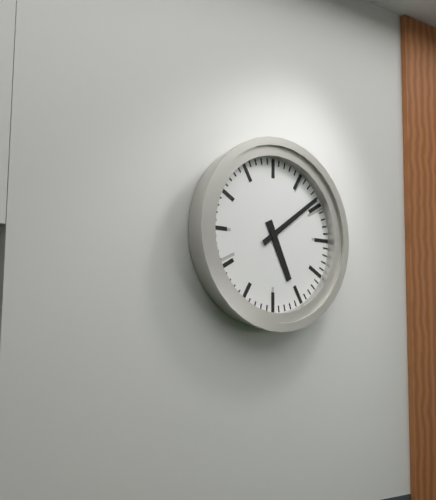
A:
5h09
